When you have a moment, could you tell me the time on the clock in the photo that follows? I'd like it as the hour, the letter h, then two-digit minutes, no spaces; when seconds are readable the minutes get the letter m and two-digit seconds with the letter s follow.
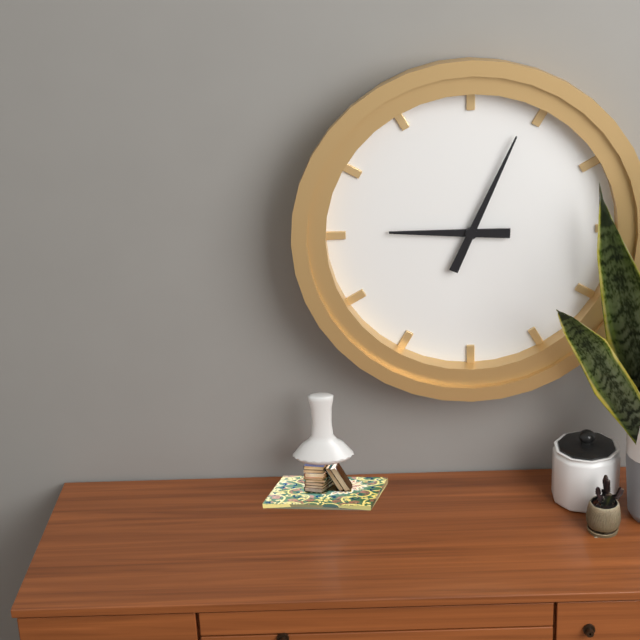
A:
9h04
